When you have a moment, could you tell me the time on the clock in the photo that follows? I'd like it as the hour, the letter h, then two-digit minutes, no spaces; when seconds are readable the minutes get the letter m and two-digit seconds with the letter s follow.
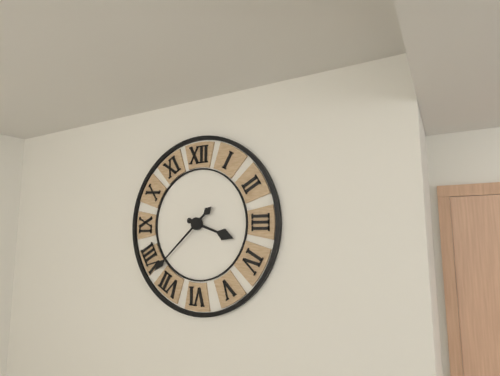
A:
3h38
